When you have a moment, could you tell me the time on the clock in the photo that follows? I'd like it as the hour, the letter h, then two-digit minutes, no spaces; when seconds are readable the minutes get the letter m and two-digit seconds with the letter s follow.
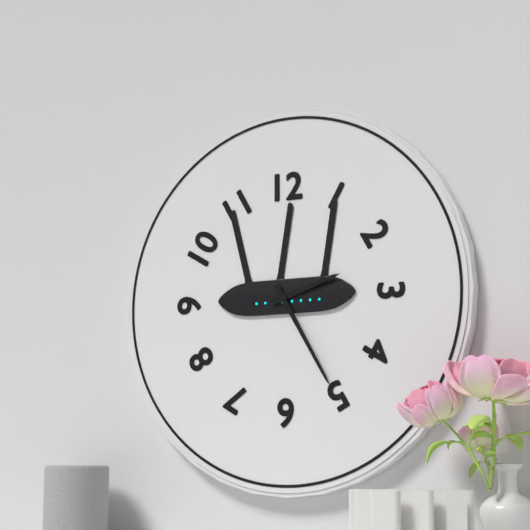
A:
2h25
